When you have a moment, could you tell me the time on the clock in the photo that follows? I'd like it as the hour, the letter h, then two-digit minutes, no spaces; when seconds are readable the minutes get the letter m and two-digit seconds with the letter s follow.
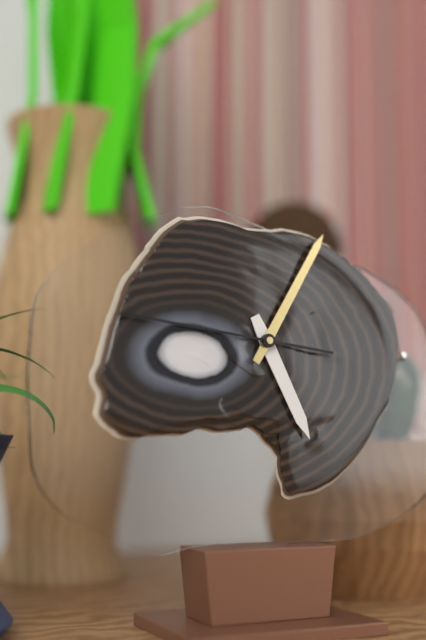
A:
5h05m46s
